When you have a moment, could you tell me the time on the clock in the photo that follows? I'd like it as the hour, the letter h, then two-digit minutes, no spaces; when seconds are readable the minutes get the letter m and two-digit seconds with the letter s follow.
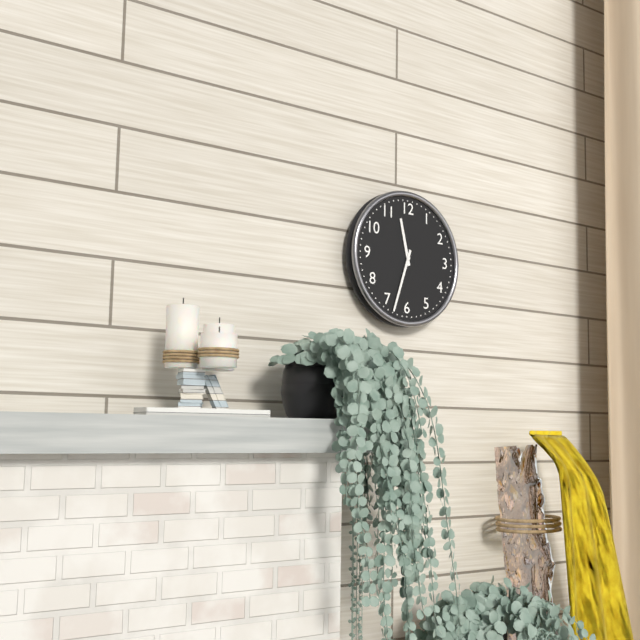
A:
11h33
